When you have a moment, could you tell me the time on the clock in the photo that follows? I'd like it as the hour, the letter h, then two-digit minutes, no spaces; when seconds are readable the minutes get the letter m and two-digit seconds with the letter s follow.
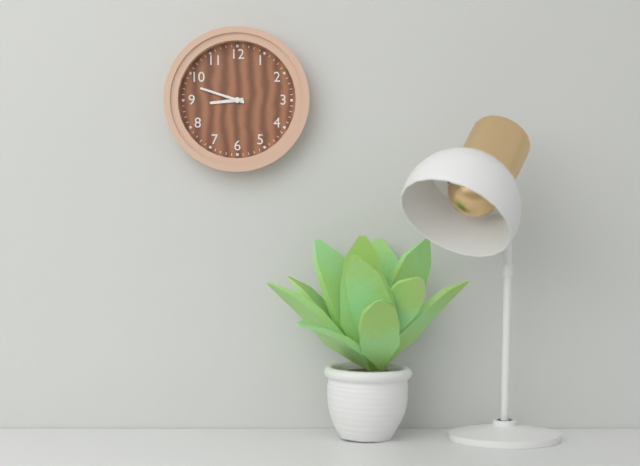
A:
8h48
